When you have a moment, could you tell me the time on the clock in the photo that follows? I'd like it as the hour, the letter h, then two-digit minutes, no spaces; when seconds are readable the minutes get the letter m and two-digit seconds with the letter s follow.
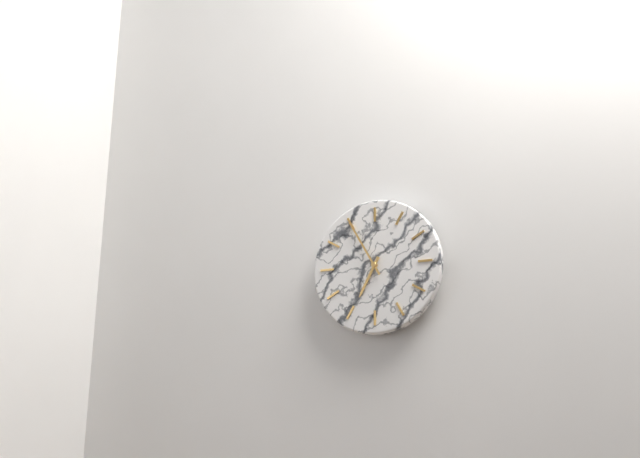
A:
6h55
